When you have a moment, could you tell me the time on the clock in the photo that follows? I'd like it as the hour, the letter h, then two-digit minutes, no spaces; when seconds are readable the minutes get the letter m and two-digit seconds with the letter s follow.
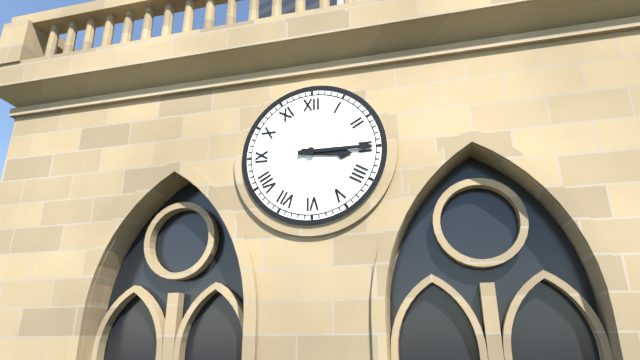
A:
3h15
